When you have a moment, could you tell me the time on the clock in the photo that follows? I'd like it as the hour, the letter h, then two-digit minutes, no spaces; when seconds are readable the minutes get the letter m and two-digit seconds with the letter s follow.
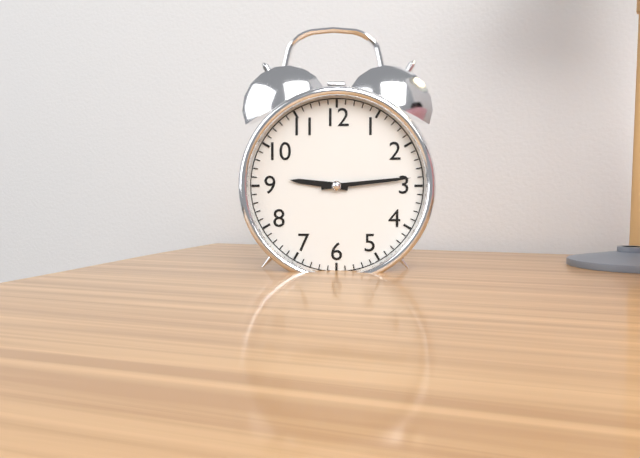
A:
9h14
